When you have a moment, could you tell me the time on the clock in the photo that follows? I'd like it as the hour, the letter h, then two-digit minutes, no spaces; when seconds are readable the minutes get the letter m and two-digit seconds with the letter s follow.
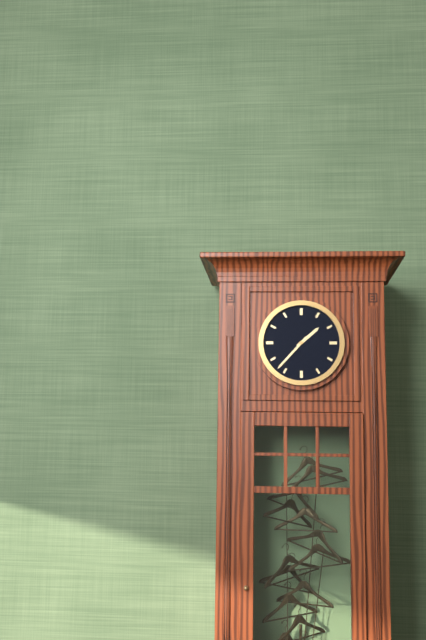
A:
1h37
